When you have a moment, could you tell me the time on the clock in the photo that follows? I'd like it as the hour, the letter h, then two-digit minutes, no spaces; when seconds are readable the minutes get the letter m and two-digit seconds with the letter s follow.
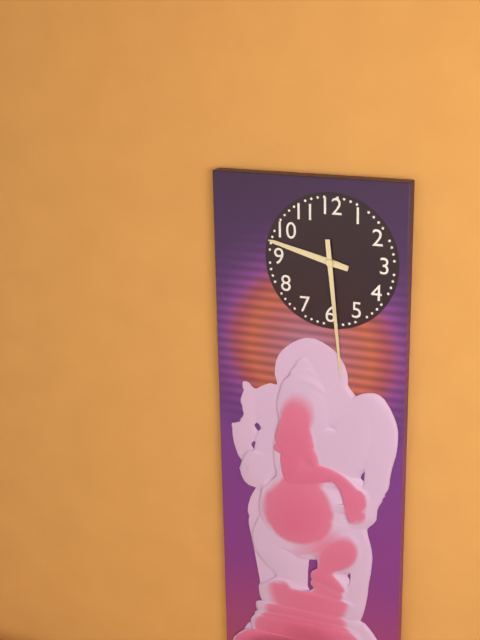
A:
9h29
